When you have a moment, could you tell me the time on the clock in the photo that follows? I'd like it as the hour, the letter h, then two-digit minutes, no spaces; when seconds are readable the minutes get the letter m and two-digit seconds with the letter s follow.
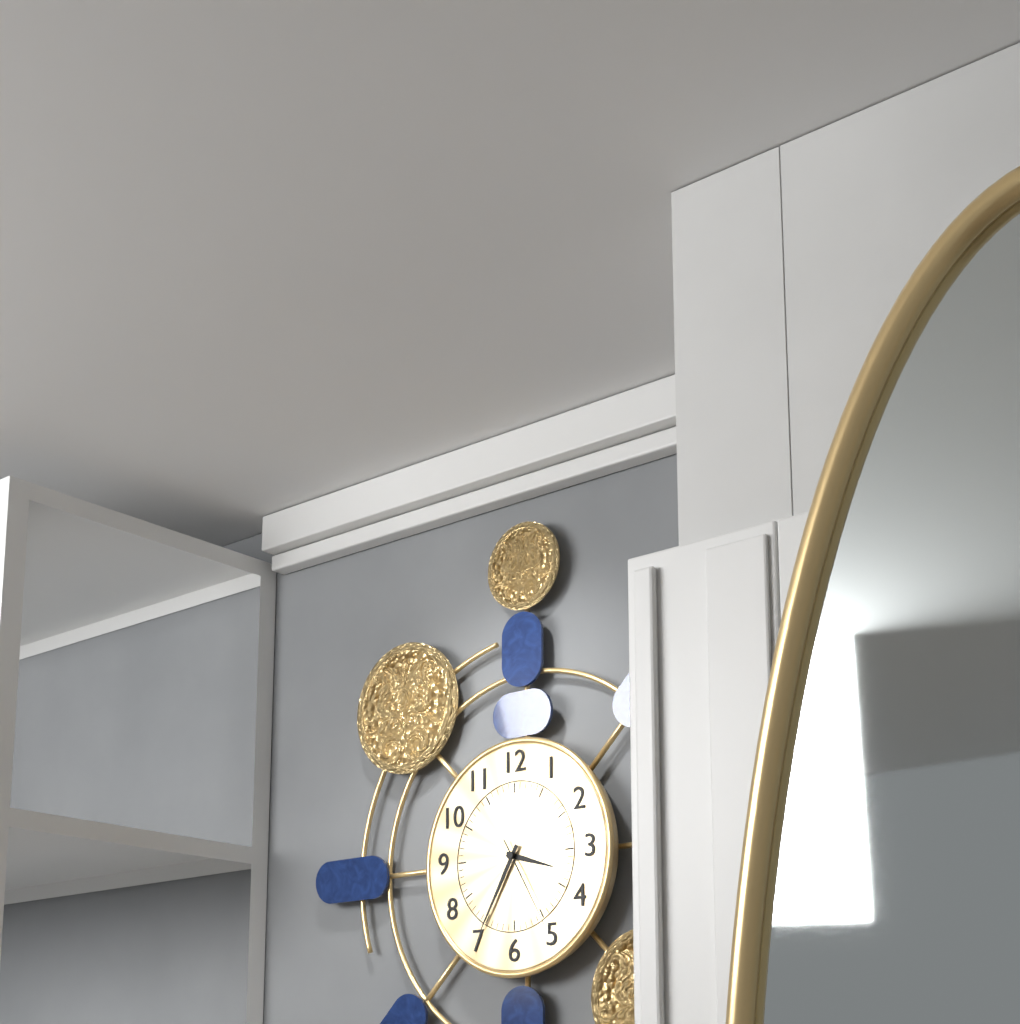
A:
3h35m25s
